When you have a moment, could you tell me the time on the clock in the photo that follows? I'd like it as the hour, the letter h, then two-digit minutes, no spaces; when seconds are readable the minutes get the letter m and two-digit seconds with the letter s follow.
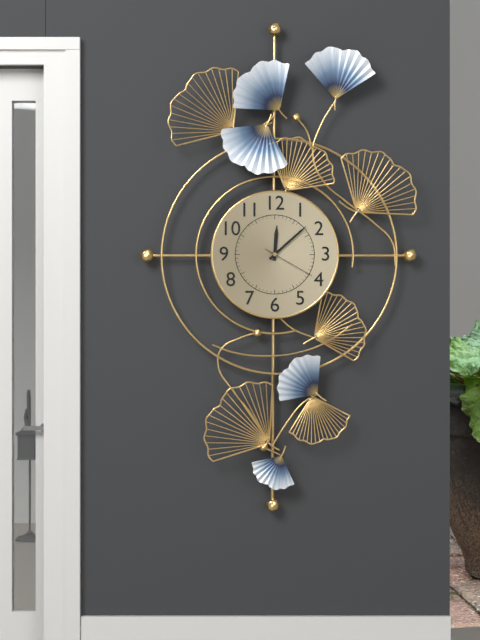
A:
12h08m20s
